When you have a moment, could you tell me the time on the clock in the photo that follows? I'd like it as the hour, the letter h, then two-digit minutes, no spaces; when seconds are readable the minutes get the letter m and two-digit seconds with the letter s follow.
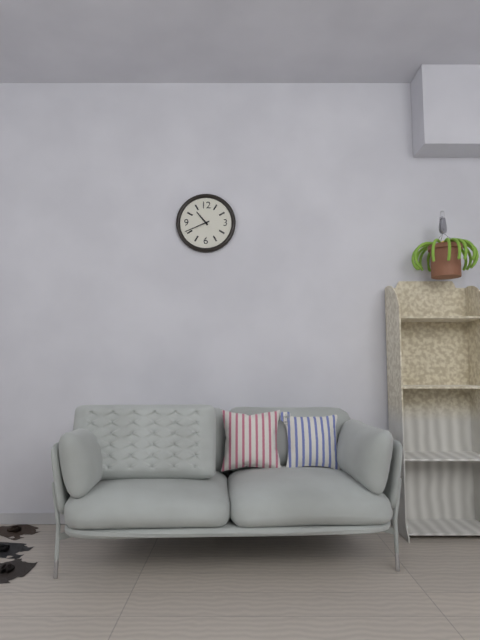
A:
10h41
